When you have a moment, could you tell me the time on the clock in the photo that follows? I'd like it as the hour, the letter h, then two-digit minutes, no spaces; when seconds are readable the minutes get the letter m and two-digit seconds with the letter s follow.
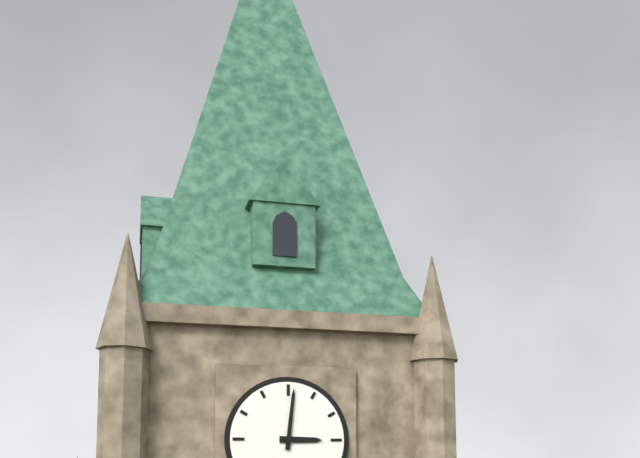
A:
3h01
